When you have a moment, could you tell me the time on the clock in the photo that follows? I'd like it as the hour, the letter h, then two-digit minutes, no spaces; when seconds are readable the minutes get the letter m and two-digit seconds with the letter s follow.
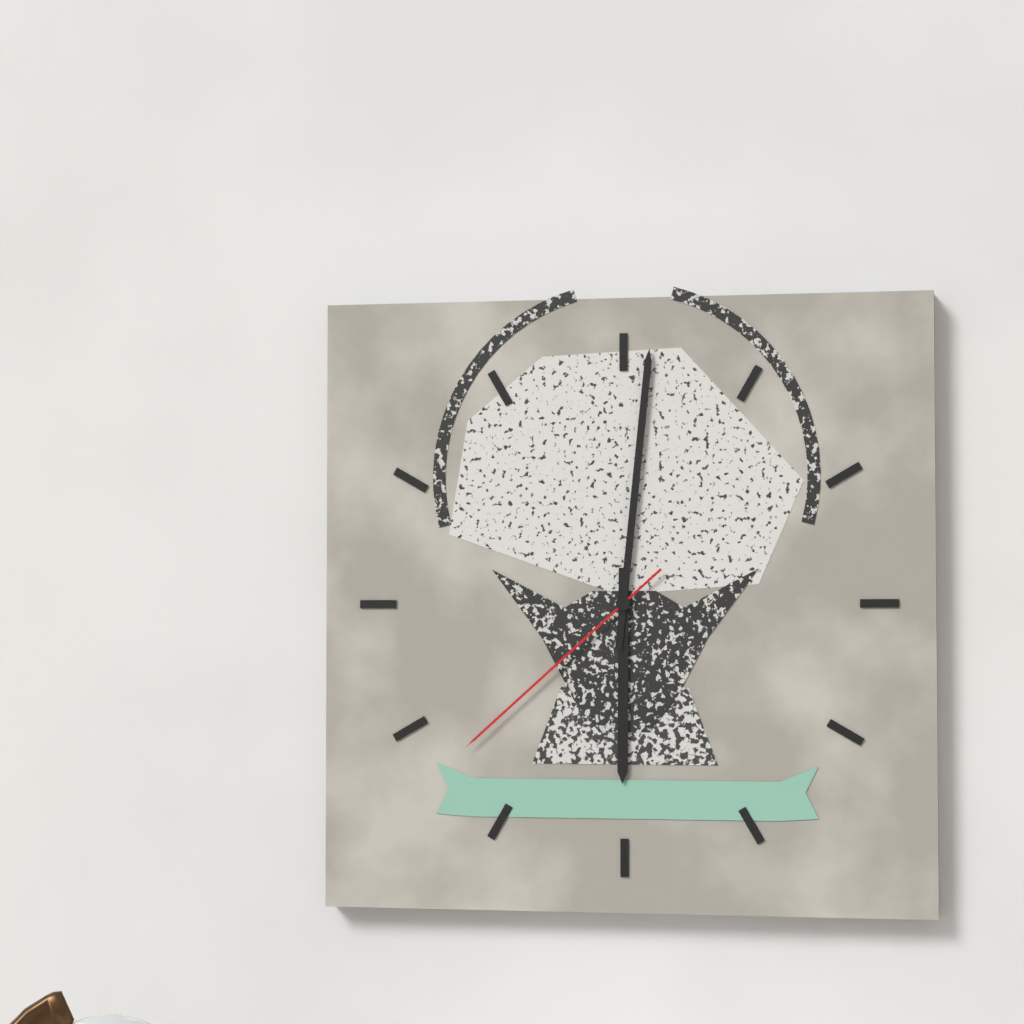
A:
6h01m38s
